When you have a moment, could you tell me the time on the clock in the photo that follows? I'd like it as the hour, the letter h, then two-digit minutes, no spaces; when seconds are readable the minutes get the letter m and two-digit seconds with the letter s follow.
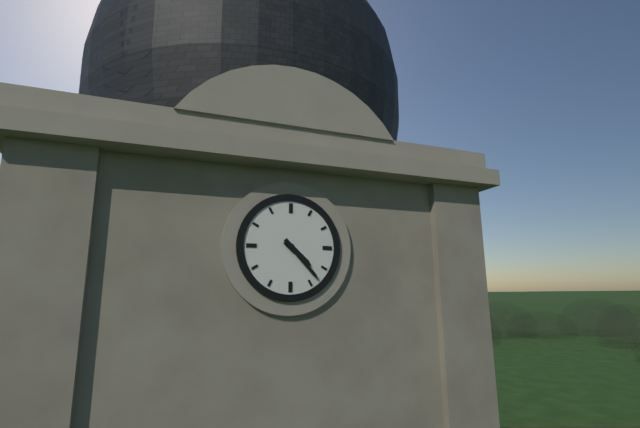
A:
4h23
